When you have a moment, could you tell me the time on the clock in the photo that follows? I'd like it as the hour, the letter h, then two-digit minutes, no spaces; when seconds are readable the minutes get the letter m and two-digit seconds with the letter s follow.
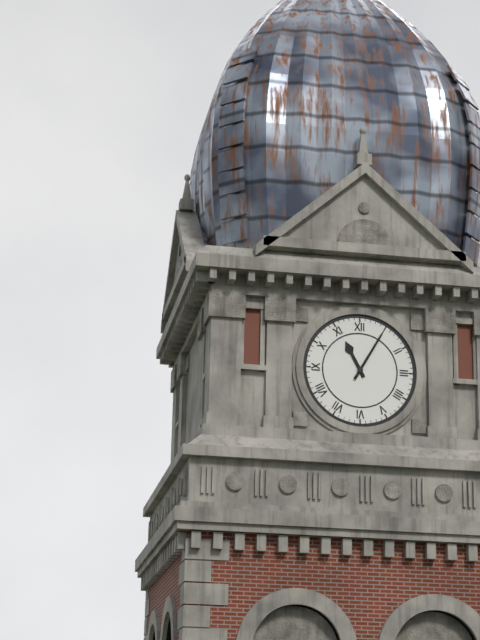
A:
11h05
